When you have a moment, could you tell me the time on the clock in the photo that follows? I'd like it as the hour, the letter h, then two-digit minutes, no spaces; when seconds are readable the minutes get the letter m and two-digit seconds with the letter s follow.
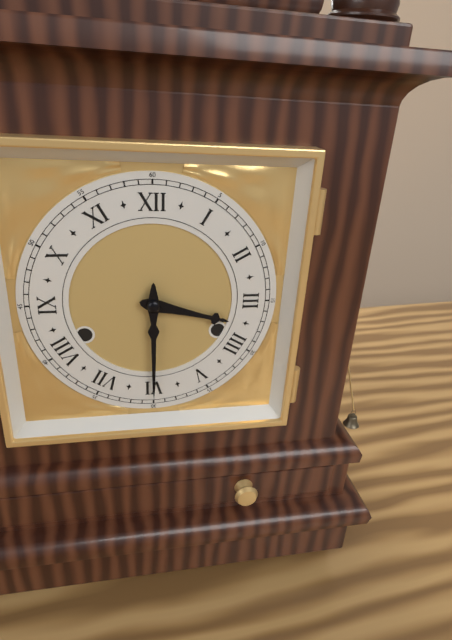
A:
3h30
